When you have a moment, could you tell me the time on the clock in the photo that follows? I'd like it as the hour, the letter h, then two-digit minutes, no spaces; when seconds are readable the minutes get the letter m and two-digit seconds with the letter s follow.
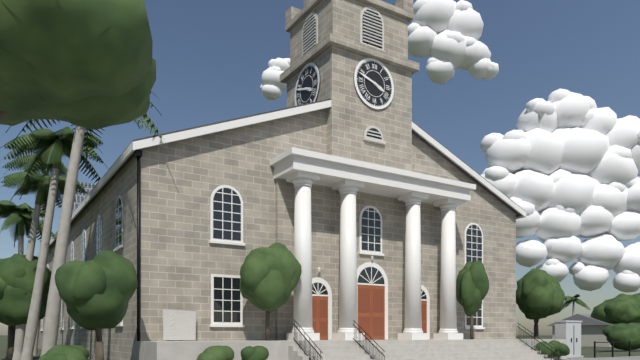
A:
3h48
